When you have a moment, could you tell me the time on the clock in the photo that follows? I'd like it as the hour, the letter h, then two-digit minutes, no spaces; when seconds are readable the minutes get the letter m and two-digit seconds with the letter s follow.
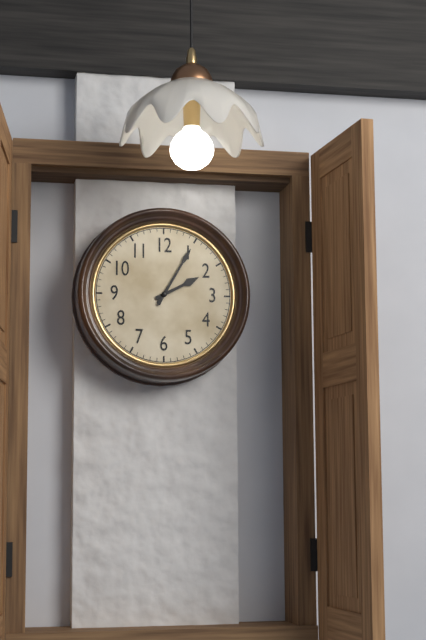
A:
2h05
